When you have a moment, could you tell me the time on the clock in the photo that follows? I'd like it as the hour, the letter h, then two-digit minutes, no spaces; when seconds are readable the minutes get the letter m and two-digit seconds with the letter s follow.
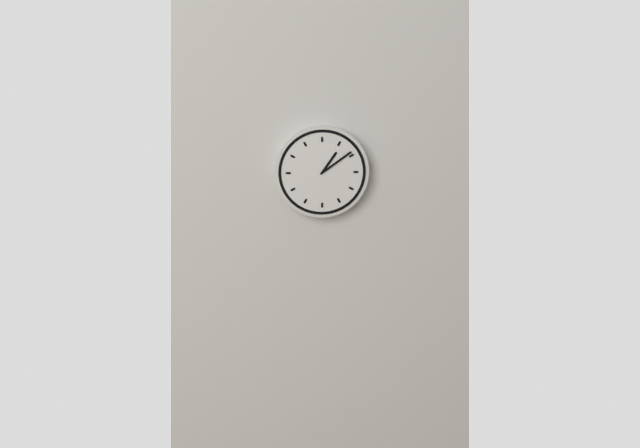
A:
1h09
